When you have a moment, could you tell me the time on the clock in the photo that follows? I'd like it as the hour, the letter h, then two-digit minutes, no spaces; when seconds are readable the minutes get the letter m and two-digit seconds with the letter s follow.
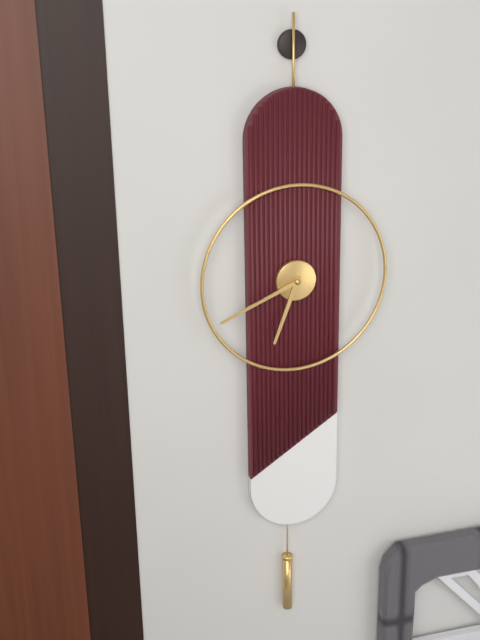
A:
6h41
